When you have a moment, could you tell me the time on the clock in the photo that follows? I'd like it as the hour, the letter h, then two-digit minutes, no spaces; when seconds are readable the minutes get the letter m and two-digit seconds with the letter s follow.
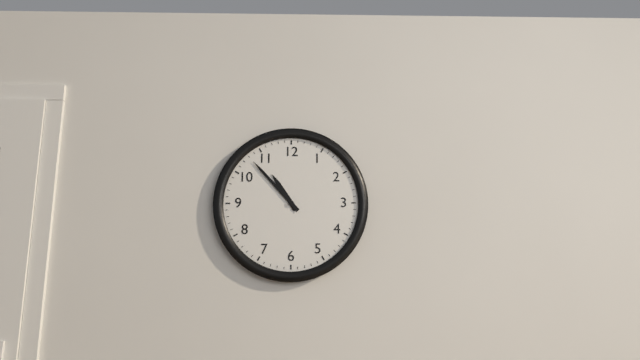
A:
10h53
